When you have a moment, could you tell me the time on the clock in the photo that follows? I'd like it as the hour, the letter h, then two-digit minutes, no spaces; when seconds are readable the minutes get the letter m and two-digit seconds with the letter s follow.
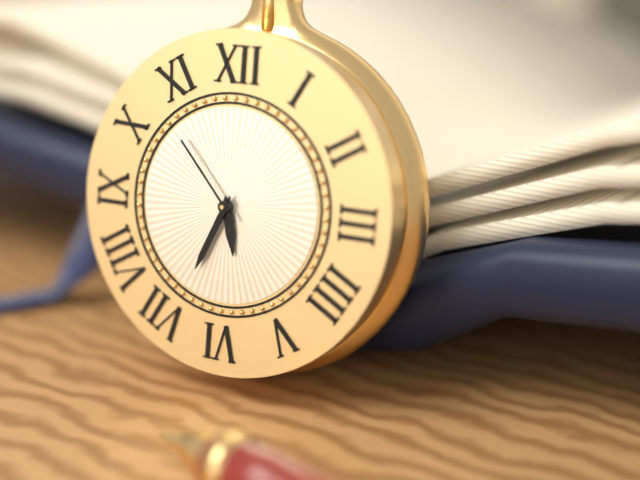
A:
5h34m53s
